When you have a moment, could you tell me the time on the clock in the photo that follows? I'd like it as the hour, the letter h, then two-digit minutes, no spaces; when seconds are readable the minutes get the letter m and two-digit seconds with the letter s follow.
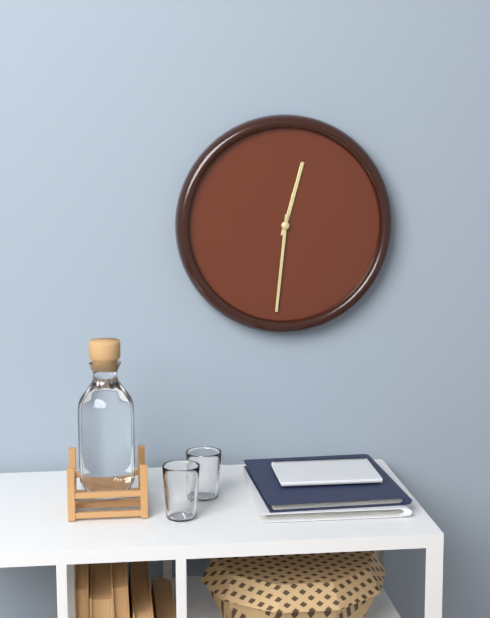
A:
12h31
